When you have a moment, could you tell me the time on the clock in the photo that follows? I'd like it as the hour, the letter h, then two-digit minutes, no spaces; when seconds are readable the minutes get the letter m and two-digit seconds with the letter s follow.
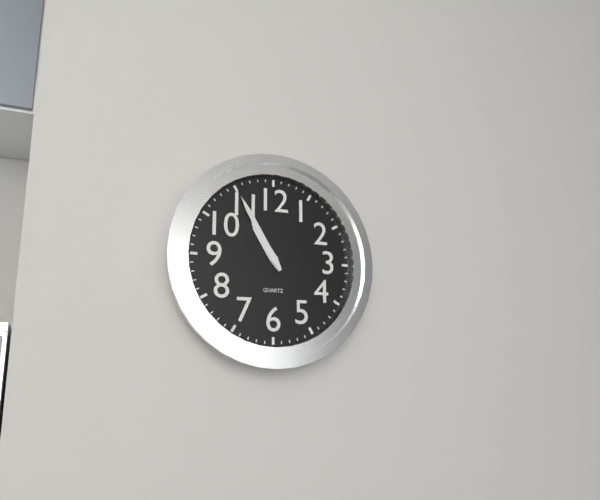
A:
10h55
